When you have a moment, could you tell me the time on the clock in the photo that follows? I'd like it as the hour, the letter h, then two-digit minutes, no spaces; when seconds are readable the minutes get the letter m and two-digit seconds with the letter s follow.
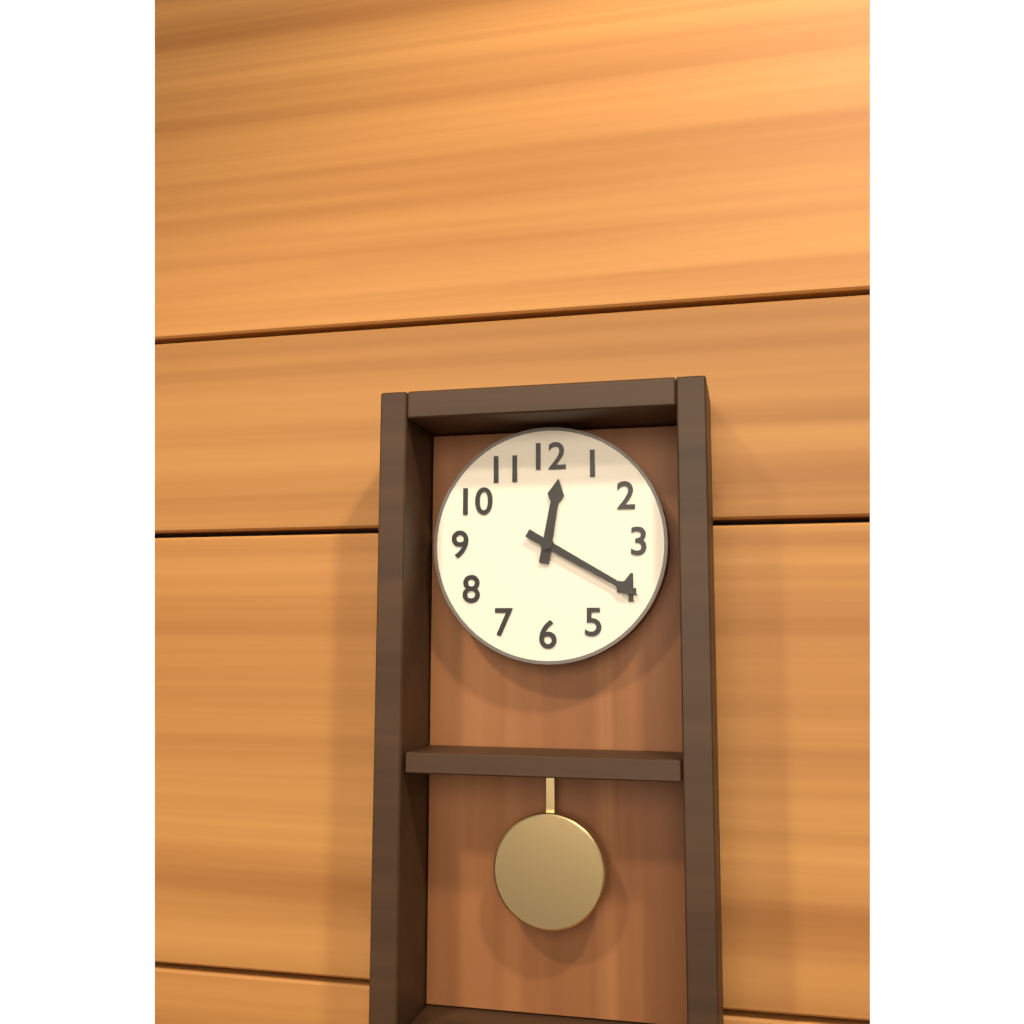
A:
12h20
